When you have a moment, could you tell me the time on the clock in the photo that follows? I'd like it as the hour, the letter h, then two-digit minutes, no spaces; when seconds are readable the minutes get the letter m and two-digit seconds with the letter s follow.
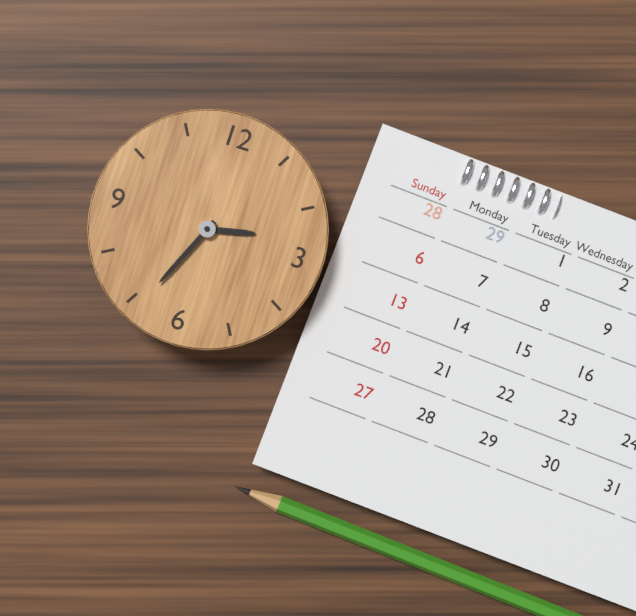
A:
2h34
